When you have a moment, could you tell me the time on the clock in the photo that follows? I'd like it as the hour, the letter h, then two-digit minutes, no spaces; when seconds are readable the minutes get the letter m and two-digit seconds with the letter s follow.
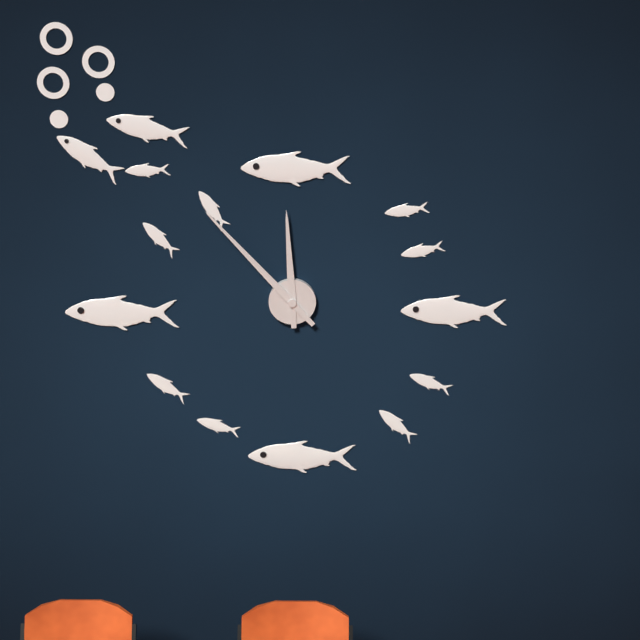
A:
11h53
